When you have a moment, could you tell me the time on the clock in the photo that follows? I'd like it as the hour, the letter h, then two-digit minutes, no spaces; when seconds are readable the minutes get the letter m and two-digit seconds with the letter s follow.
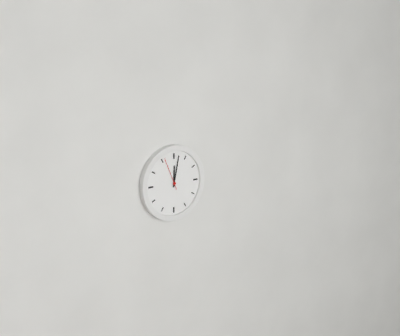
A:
12h02
